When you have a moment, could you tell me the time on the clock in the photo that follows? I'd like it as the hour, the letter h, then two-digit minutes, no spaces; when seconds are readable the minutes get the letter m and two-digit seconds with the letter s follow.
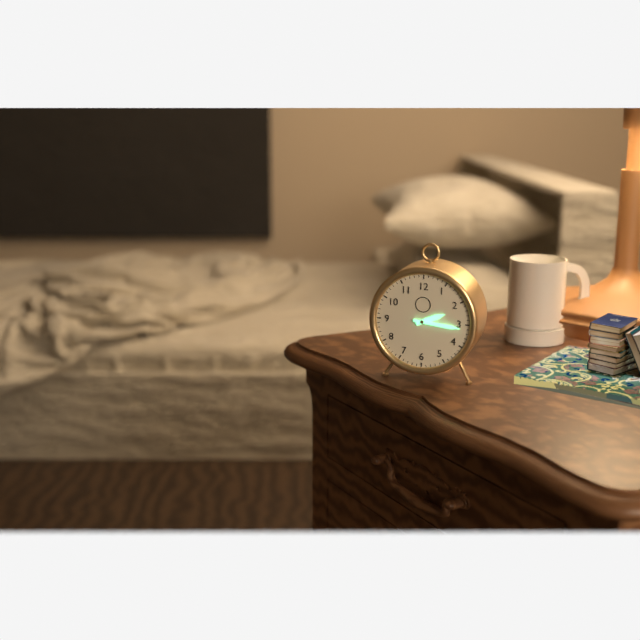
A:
2h16
